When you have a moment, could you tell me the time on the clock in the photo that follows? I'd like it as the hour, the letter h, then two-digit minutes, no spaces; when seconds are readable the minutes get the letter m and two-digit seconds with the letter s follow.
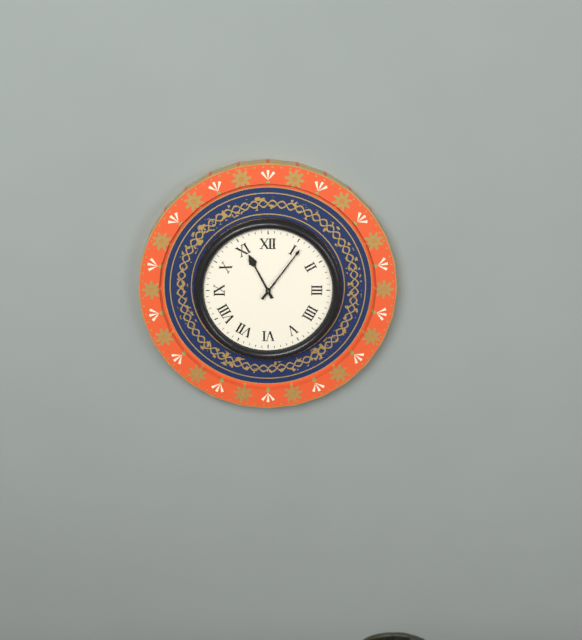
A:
11h06
